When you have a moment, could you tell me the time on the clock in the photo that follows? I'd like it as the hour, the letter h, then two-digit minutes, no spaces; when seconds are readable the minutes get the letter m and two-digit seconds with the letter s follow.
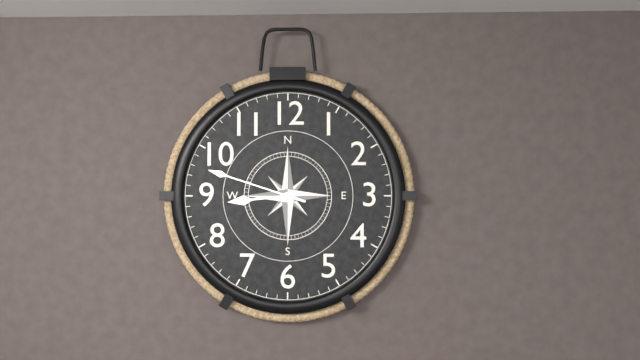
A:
8h48
